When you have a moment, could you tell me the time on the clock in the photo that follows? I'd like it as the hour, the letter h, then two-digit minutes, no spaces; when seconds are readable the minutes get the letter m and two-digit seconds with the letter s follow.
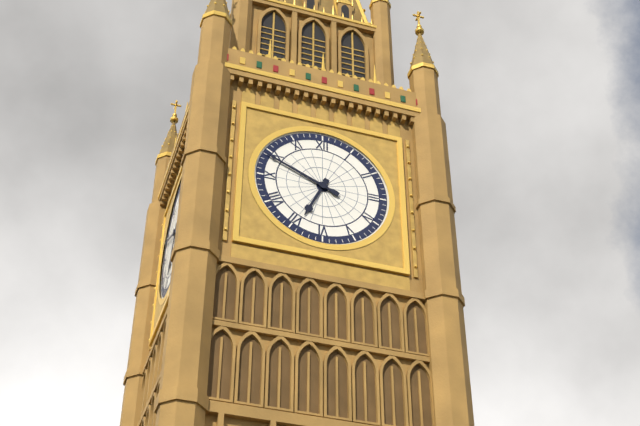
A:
6h49
